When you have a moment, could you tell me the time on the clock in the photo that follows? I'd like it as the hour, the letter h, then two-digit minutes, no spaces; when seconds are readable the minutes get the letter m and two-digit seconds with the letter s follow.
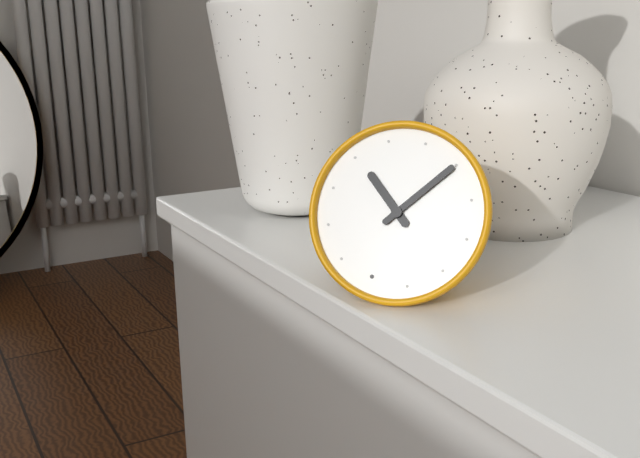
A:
10h05
